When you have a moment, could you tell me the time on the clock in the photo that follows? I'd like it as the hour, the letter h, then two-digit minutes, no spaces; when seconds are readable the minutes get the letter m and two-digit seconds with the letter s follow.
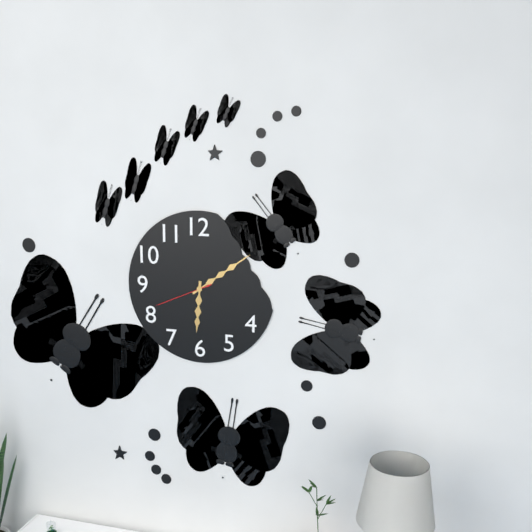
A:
6h09m41s
